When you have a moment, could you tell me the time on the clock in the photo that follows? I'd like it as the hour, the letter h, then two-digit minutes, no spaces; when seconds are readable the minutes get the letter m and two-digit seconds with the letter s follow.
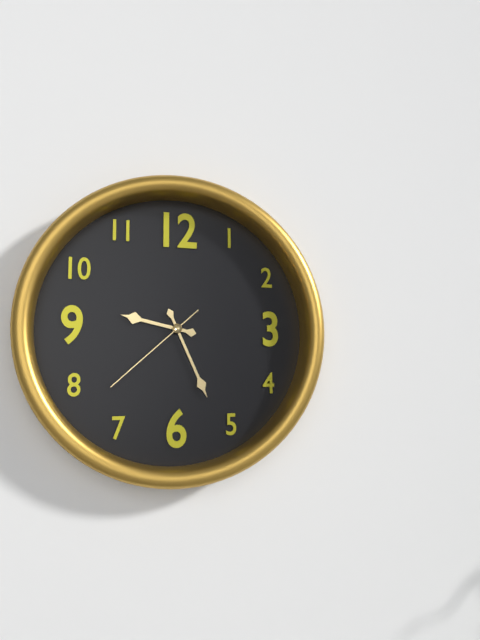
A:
9h26m38s
